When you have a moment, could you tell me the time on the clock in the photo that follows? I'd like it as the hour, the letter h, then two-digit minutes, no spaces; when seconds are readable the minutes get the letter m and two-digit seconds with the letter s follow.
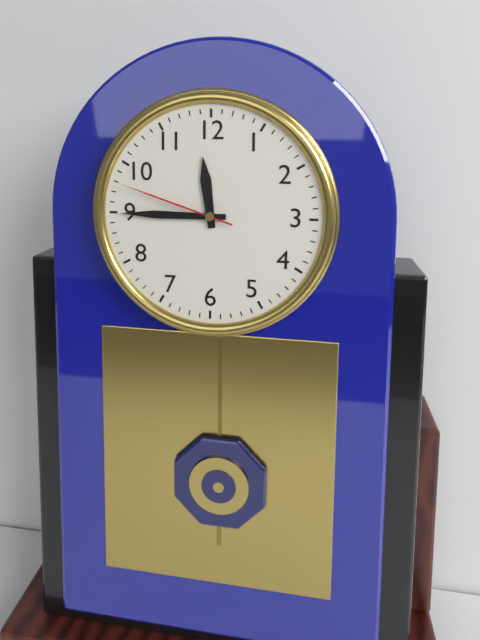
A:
11h45m48s
